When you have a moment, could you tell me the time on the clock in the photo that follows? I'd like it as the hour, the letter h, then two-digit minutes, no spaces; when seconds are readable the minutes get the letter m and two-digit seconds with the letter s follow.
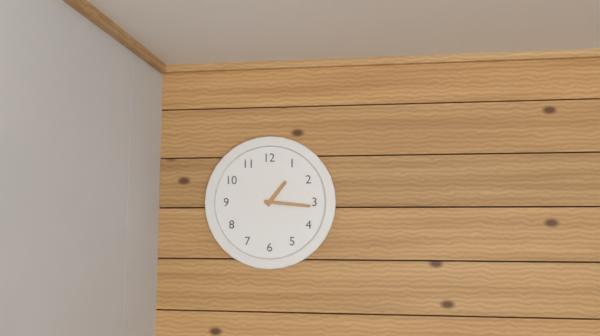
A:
1h16
